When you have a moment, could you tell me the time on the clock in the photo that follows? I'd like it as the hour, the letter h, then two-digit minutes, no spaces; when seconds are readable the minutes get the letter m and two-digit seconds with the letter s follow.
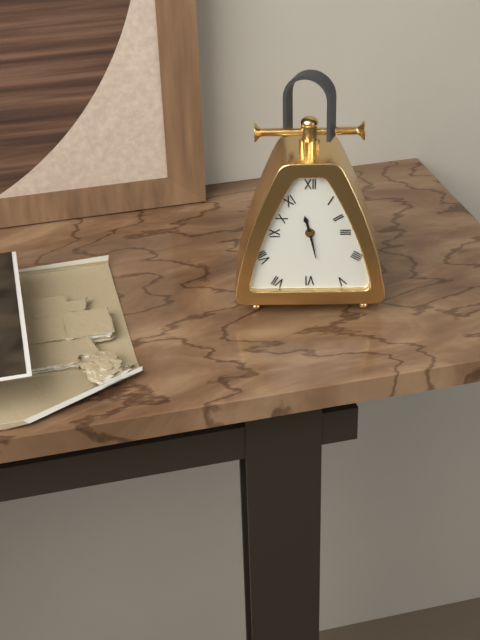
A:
11h28
